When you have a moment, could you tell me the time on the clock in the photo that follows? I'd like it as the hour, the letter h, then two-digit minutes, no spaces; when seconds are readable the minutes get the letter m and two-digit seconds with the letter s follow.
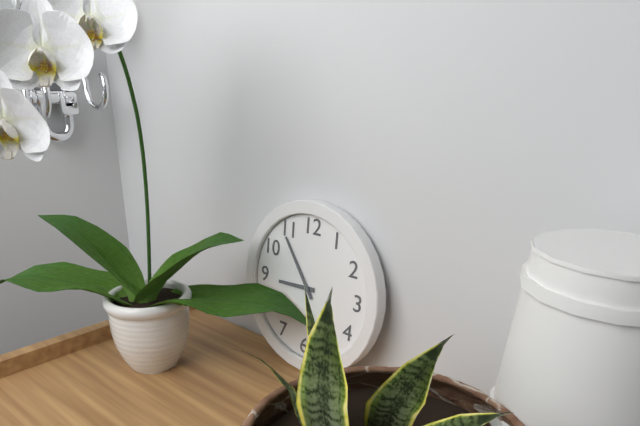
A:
8h54
